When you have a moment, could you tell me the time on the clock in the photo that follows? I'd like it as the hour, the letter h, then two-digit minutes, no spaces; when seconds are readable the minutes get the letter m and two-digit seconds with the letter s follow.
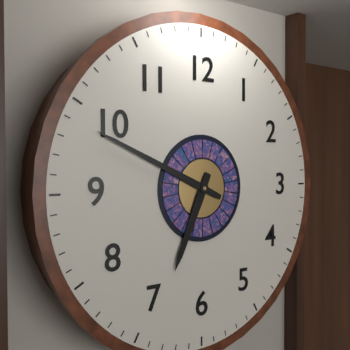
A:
6h49
